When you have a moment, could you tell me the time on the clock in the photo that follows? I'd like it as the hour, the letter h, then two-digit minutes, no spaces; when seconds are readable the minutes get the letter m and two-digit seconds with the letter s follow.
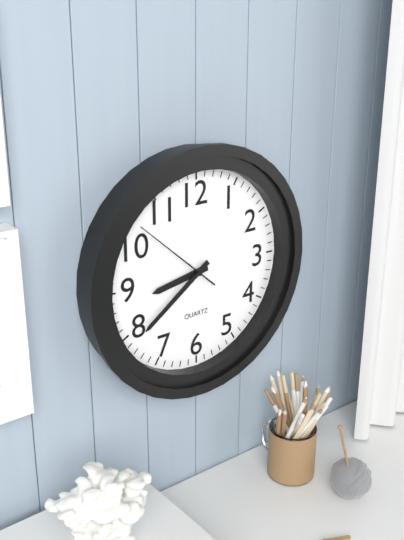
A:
8h39m52s
